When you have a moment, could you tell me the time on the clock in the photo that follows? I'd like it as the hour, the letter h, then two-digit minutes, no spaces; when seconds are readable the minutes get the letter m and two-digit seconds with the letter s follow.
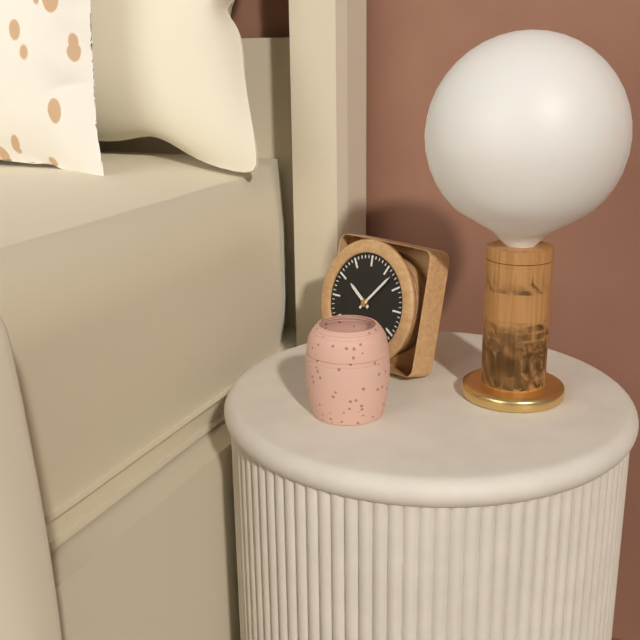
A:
10h07
